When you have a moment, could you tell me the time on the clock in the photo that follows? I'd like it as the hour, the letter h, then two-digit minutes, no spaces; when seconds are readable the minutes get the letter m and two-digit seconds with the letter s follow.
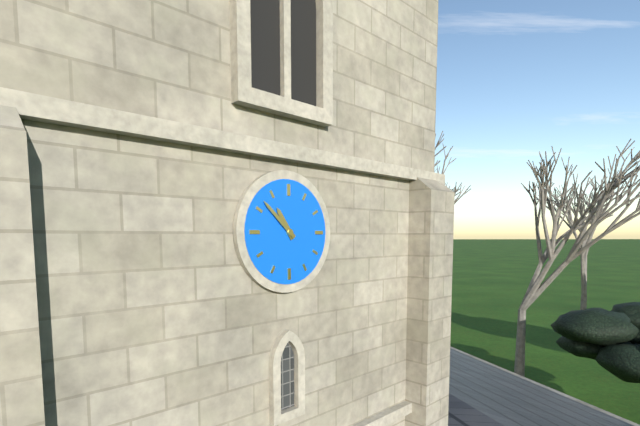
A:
10h52
